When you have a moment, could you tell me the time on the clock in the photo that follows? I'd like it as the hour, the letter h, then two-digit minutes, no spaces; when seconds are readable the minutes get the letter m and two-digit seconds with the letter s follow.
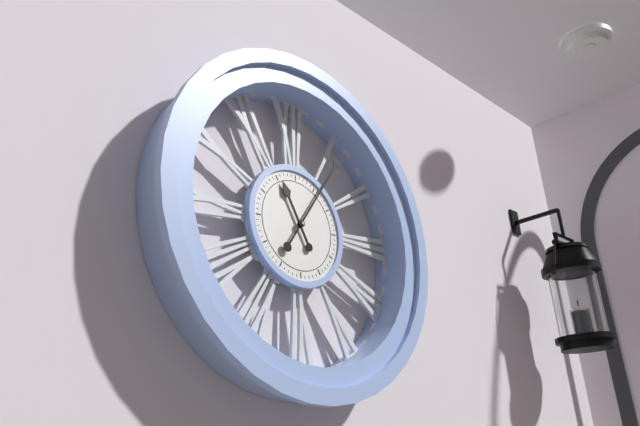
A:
11h06
